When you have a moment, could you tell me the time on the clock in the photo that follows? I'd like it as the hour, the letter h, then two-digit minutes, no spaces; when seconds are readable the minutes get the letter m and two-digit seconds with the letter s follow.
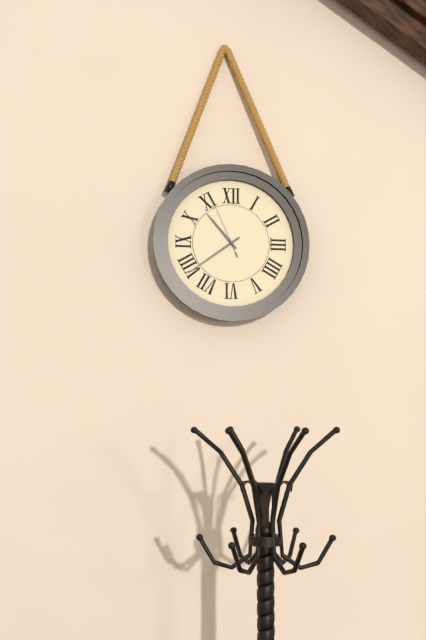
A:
10h39m56s
